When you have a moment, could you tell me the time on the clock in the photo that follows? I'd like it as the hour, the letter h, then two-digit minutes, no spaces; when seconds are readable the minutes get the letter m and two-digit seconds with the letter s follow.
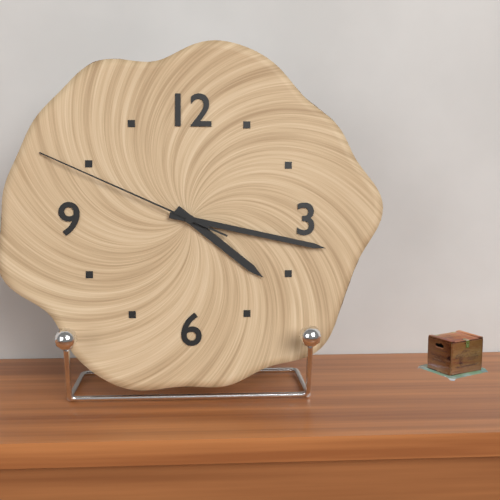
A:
4h17m49s
